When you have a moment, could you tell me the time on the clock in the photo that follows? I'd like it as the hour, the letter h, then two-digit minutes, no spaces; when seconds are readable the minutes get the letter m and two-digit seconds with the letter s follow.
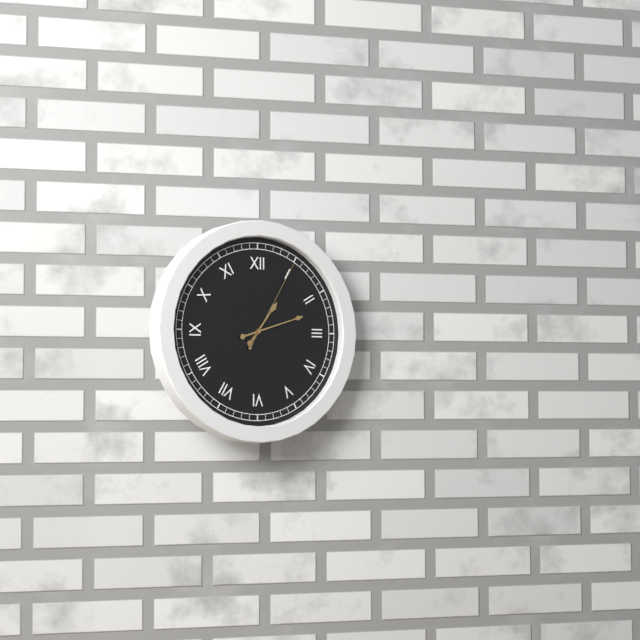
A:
1h12m05s
